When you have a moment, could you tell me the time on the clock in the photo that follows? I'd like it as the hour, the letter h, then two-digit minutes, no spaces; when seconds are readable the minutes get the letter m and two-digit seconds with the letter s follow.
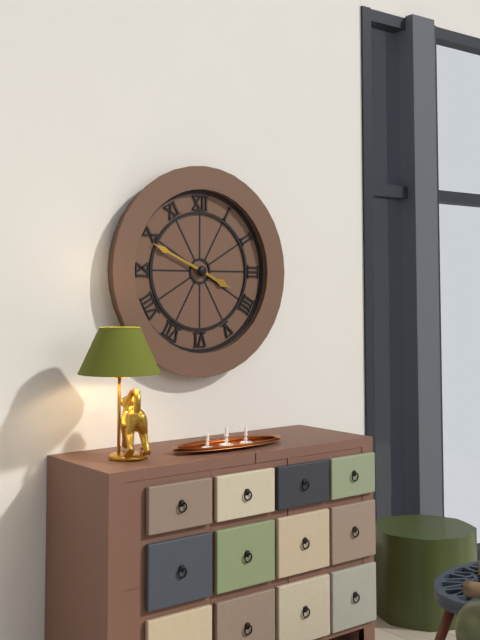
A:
3h49
